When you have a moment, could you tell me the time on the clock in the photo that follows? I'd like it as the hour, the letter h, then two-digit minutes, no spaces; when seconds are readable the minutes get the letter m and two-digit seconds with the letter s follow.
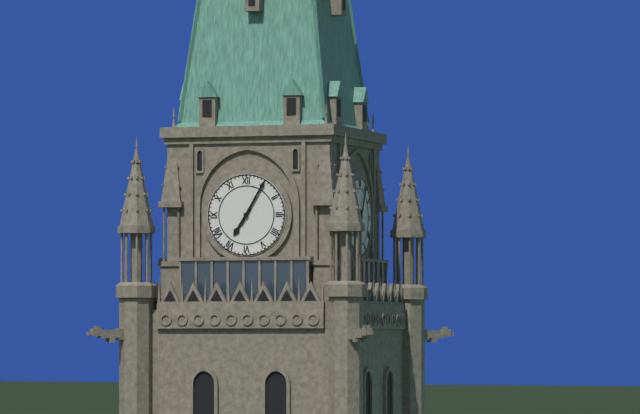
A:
7h05
